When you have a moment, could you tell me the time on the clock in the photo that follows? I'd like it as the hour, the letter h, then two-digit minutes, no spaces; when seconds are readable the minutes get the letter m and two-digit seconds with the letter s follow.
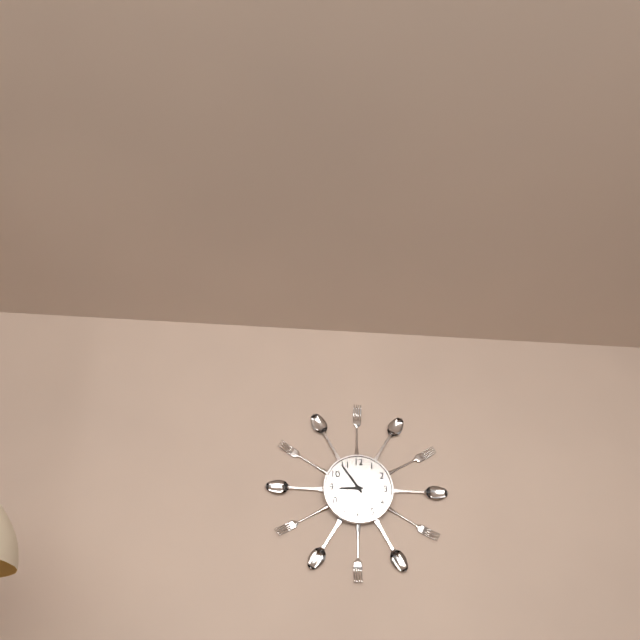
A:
8h54
